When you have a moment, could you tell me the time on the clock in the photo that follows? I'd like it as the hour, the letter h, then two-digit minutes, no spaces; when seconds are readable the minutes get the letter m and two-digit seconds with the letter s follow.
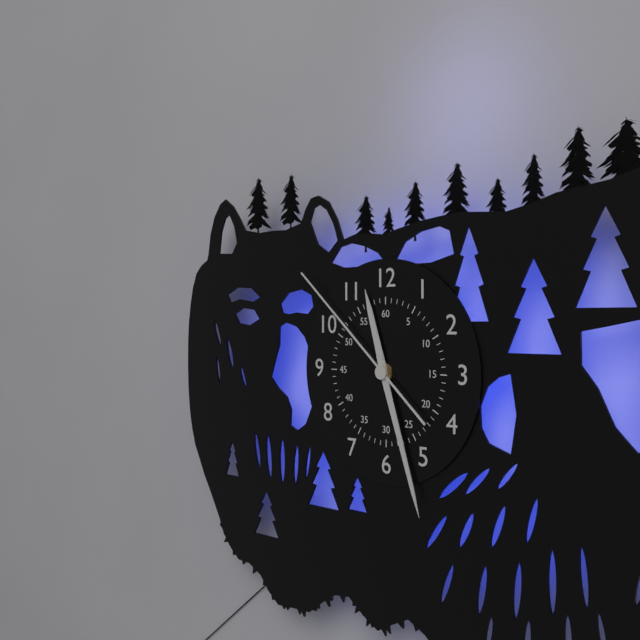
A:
11h27m52s
